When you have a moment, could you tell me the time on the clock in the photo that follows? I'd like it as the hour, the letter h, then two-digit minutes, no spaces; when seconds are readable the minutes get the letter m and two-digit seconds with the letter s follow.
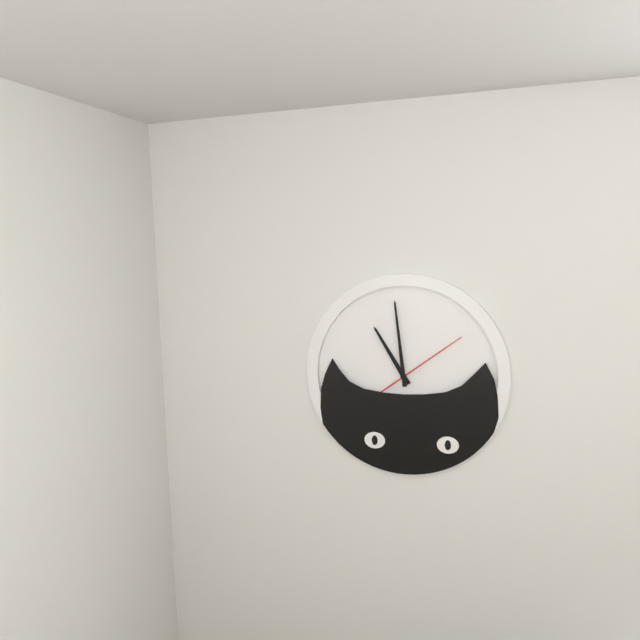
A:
10h59m09s
